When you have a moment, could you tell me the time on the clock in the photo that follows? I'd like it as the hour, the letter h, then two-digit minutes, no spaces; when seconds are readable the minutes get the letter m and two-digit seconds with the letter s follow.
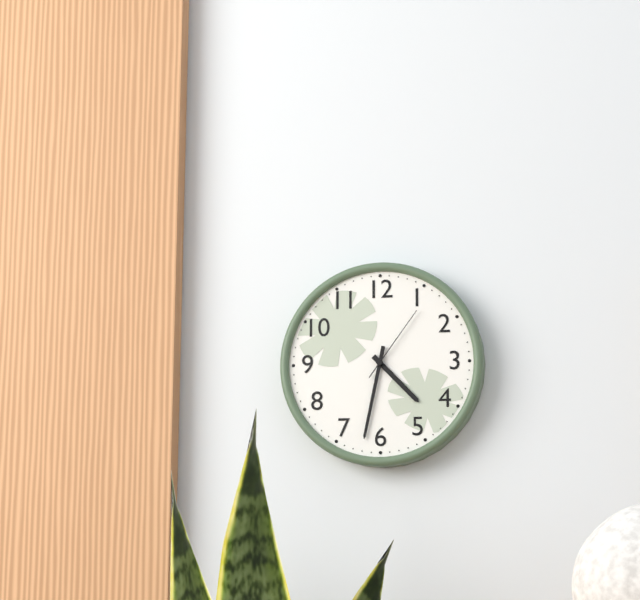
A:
4h32m06s
